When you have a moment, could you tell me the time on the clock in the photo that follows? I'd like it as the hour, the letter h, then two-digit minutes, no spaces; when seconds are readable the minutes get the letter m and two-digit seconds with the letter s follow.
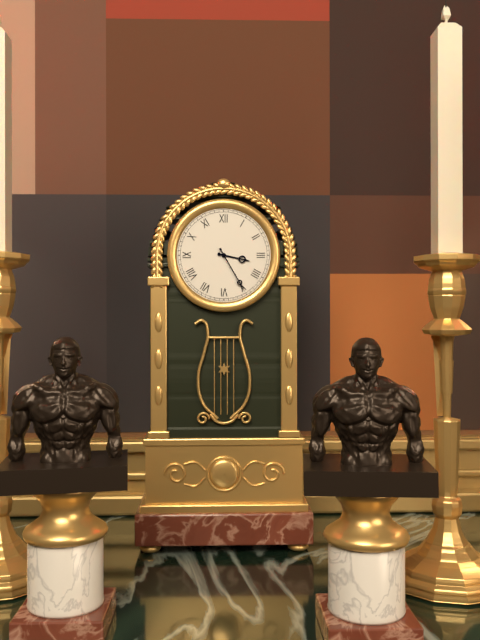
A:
3h25
